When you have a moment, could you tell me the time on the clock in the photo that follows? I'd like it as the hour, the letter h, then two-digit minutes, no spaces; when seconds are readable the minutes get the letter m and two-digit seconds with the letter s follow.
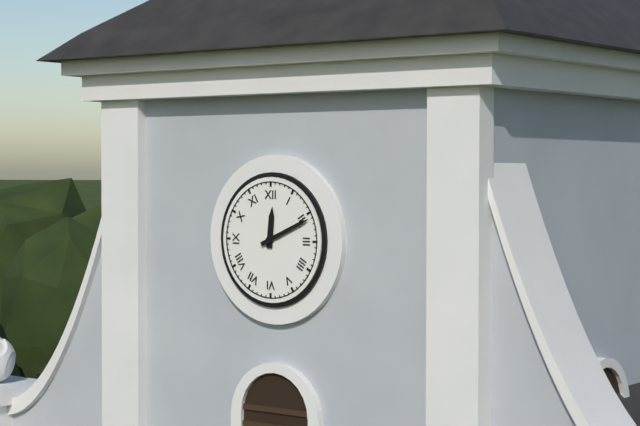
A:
12h11
